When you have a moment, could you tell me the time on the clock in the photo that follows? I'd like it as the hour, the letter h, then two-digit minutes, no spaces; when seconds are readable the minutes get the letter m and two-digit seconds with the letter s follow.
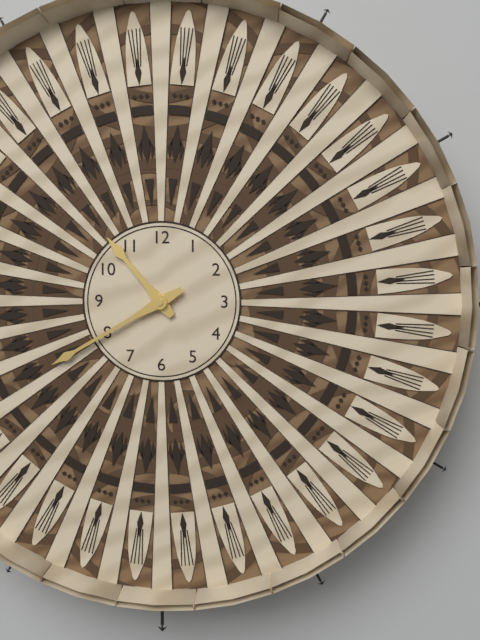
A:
10h40
